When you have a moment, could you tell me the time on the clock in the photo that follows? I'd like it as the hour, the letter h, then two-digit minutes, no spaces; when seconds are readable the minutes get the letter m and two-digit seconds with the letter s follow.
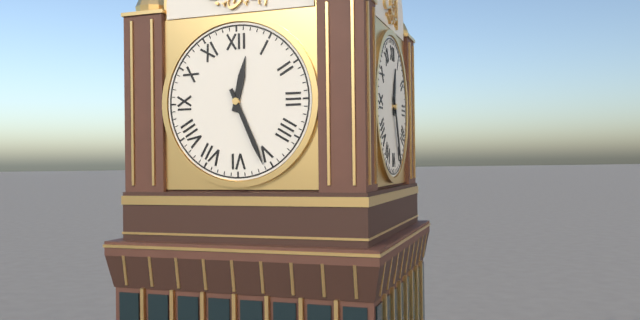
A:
12h26
